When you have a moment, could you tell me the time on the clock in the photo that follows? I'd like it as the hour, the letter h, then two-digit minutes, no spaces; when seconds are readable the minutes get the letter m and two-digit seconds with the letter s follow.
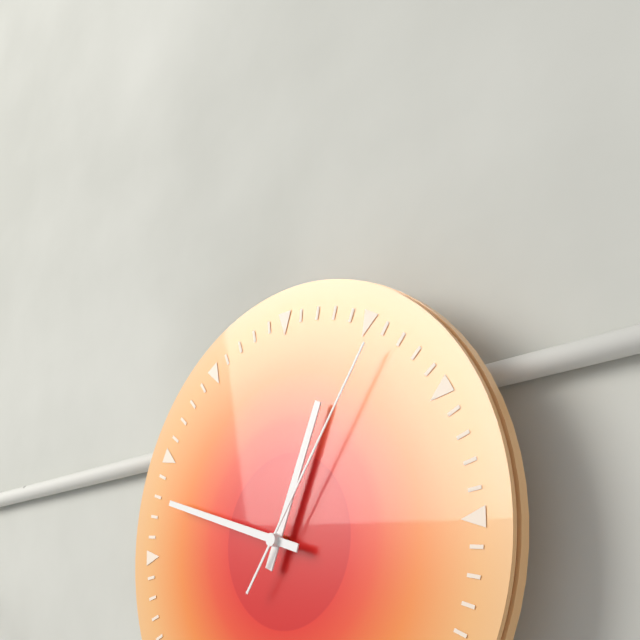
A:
12h48m06s
